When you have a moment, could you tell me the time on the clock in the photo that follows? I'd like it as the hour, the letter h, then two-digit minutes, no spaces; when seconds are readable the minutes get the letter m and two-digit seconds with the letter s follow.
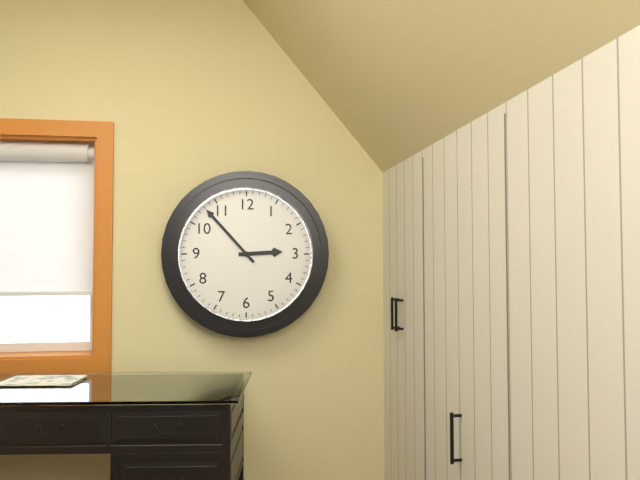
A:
2h53
